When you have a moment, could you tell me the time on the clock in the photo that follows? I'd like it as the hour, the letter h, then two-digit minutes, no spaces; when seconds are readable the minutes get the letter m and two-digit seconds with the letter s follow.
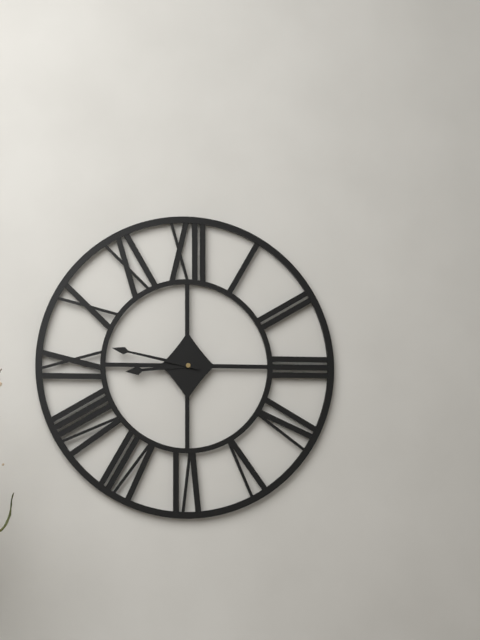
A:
8h47
